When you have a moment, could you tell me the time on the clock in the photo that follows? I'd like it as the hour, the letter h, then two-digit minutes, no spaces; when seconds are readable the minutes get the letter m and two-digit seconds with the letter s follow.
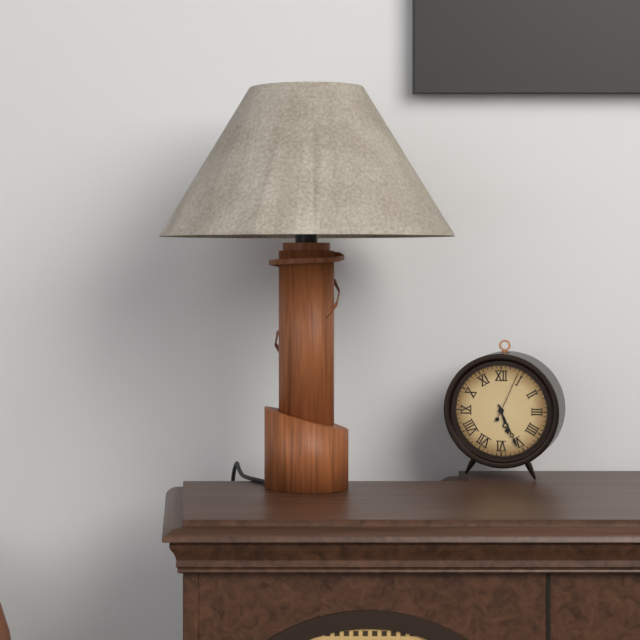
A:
5h26m04s
